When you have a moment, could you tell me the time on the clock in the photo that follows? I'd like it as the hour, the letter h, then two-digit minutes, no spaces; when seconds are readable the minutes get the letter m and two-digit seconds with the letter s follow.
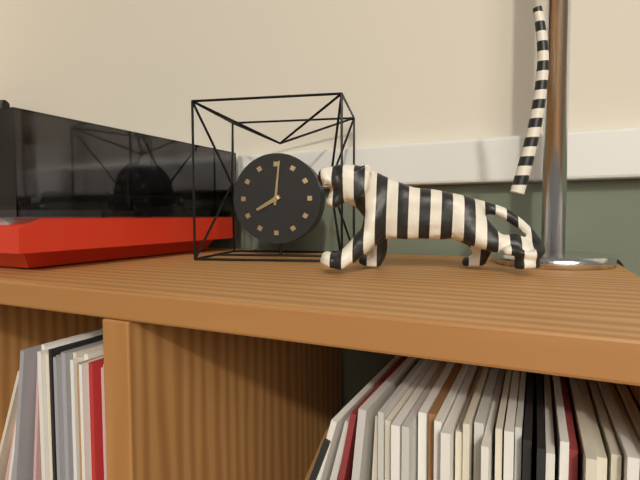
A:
8h01
